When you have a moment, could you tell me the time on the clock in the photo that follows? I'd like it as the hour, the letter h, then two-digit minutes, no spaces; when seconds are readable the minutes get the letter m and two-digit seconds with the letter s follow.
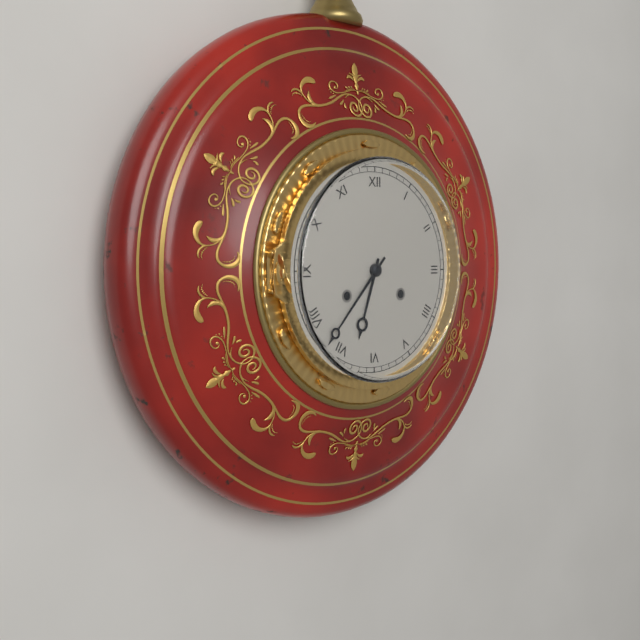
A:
6h37
